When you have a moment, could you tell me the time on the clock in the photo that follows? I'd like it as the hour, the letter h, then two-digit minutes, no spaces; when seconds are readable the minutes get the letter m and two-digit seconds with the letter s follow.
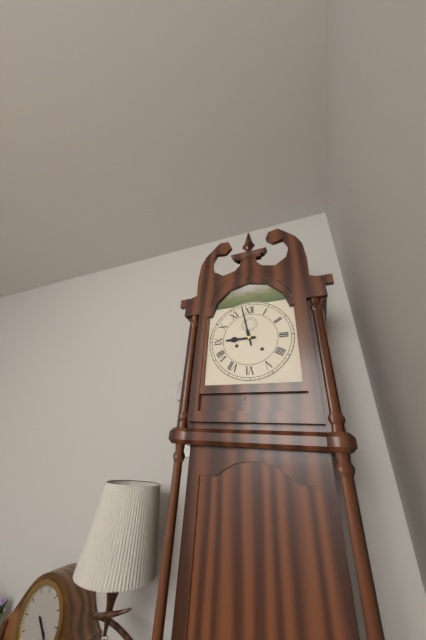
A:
8h58
